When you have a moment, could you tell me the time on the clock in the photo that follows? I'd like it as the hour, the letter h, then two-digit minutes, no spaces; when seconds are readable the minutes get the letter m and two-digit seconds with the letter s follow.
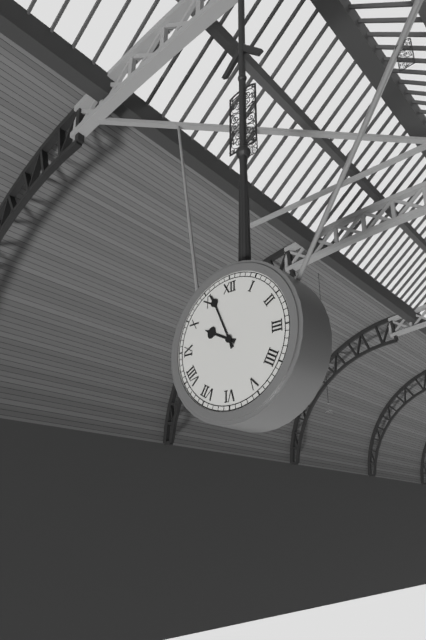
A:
9h56
